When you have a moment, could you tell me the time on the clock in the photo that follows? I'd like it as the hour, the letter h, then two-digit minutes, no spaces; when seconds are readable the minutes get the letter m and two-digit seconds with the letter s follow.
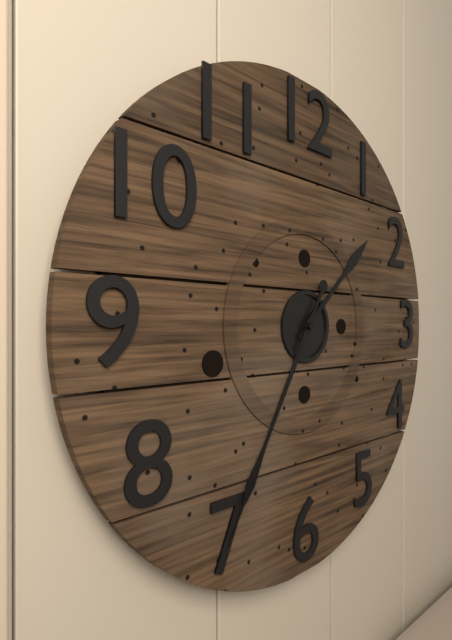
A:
1h35
